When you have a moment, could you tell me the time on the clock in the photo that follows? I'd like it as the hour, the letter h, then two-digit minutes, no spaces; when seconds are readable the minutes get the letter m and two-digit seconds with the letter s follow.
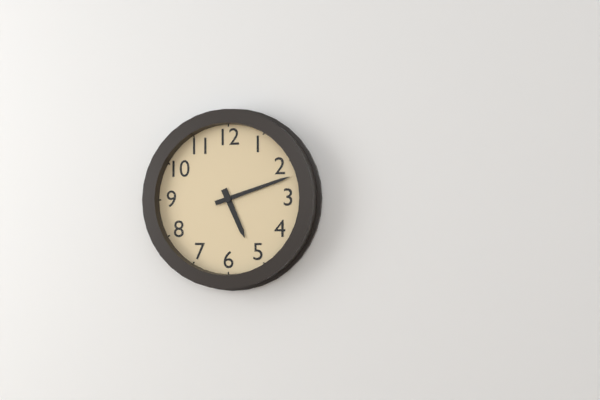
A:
5h12
